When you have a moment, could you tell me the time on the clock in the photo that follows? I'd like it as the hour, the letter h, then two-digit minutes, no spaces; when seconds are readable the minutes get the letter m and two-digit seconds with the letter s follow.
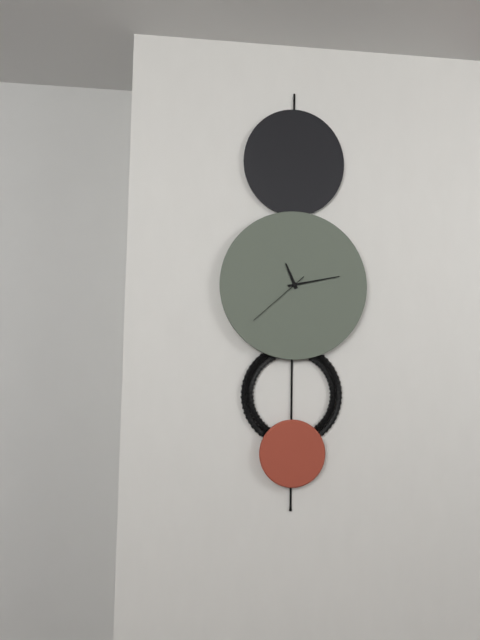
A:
11h13m38s
